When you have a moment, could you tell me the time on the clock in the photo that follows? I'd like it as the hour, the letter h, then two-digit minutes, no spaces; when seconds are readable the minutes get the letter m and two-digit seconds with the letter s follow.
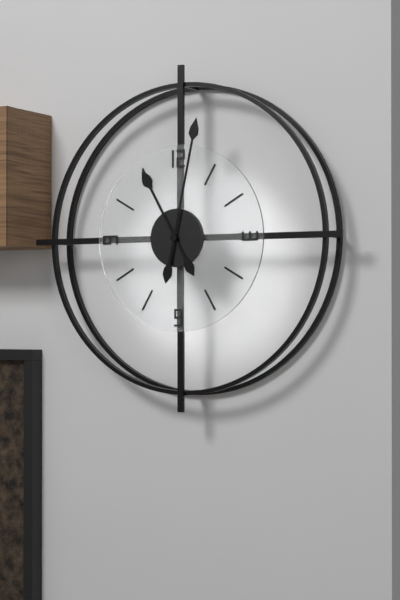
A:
11h02
